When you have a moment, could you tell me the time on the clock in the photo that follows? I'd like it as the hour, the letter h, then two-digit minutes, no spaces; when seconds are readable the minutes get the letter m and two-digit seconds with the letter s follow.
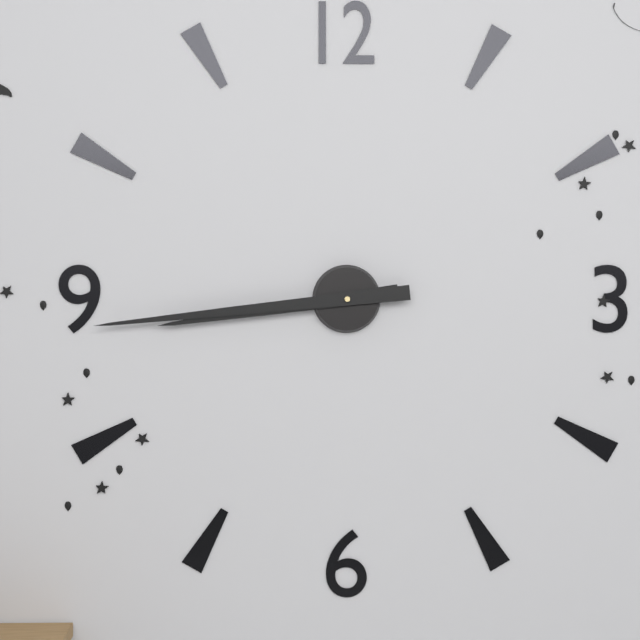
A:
8h44
